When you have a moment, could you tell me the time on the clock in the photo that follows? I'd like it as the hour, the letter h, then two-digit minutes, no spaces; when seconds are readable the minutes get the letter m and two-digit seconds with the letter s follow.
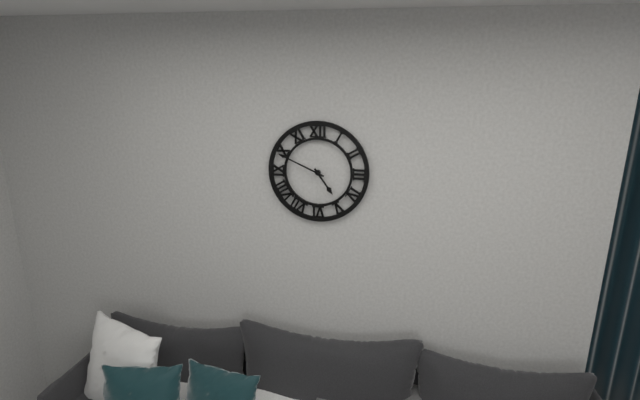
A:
4h49
